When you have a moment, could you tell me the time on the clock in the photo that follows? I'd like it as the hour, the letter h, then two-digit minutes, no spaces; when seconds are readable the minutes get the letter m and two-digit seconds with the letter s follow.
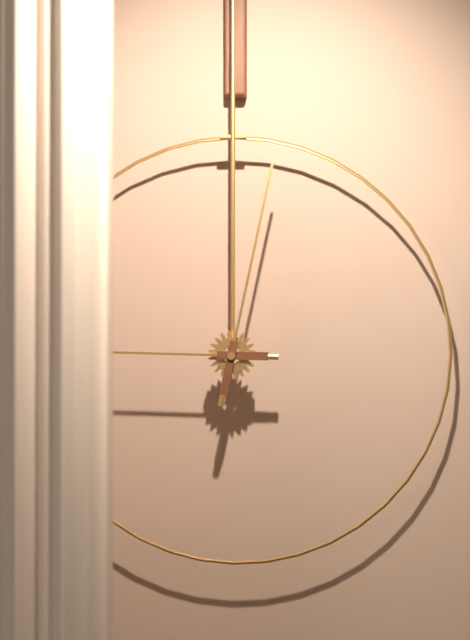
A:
9h02
